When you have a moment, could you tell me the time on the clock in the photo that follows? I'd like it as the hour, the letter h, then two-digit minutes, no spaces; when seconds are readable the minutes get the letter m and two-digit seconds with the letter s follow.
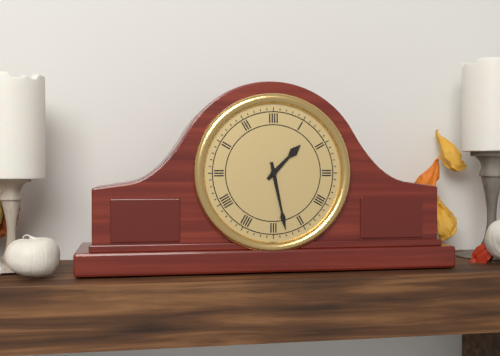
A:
1h28
